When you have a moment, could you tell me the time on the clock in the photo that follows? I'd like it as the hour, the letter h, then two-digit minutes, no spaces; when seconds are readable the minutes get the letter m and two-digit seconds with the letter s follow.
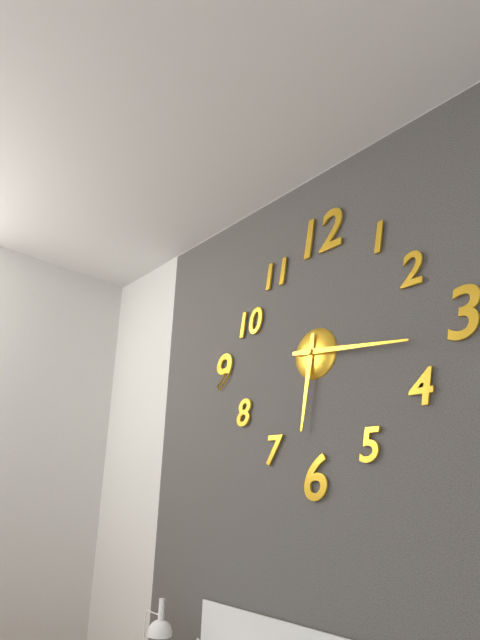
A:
6h16
